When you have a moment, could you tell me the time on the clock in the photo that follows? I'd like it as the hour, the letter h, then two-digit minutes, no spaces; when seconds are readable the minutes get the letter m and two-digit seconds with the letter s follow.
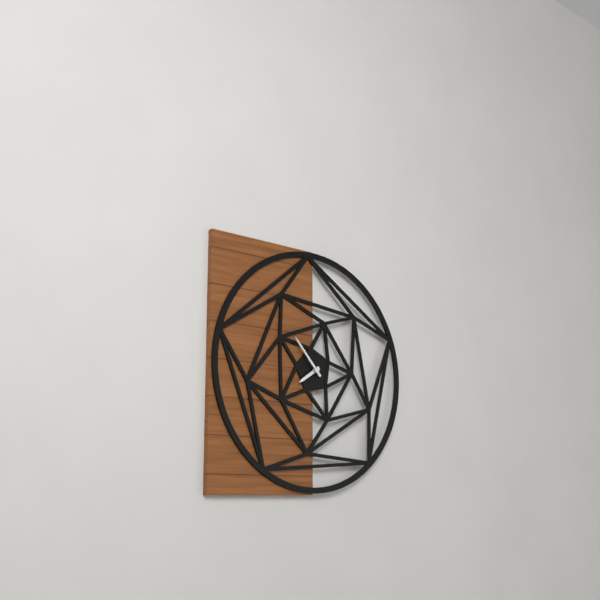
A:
7h53
